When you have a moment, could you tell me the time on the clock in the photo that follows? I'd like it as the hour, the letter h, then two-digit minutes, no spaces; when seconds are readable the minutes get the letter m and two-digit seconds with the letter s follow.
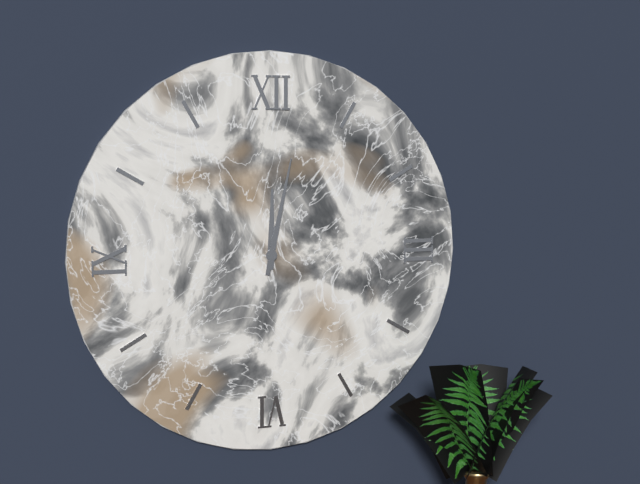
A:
12h02
